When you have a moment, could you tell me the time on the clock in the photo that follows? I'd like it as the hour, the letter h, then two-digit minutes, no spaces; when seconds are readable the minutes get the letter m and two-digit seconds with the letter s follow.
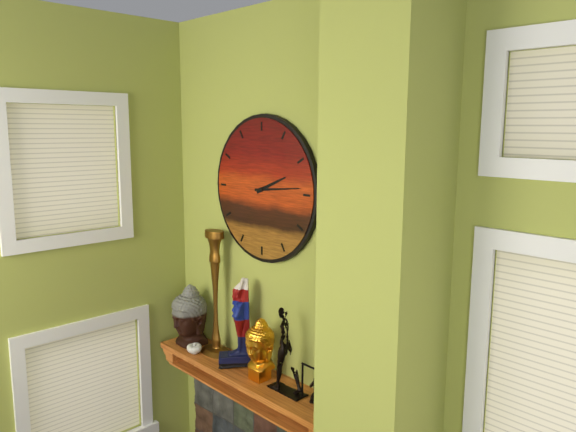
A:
2h14
